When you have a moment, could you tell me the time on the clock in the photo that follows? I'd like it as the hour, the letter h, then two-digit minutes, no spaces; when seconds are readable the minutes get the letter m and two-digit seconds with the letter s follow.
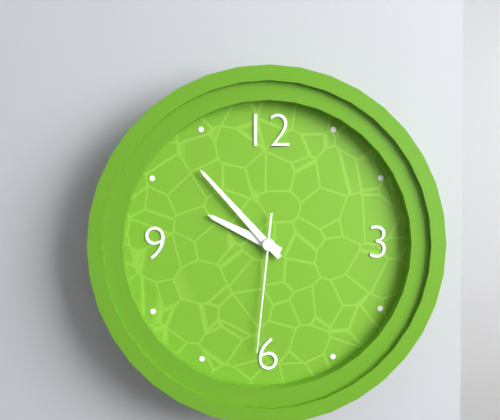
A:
9h53m31s
